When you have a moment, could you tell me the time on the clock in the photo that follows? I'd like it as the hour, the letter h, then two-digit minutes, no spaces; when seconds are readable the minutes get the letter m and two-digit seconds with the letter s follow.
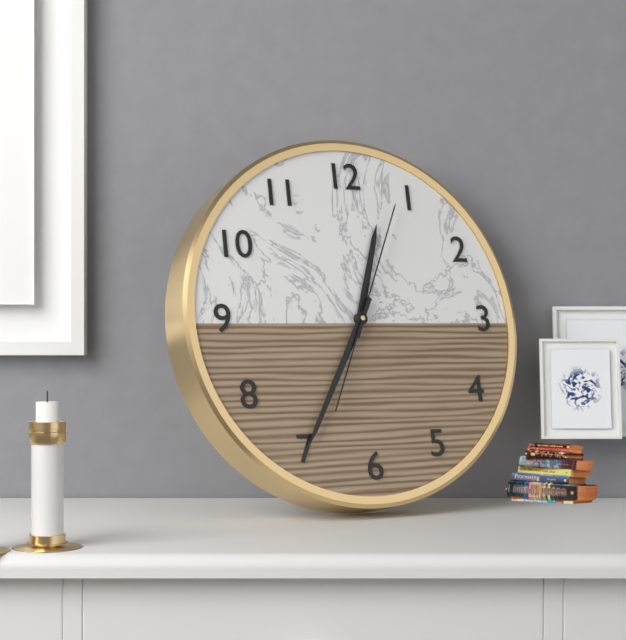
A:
12h35m04s
